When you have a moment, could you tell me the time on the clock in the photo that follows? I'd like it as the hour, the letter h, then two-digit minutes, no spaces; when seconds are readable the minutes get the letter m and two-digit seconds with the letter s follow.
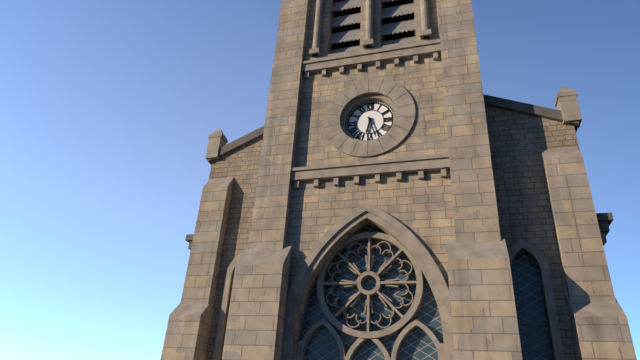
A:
6h27
